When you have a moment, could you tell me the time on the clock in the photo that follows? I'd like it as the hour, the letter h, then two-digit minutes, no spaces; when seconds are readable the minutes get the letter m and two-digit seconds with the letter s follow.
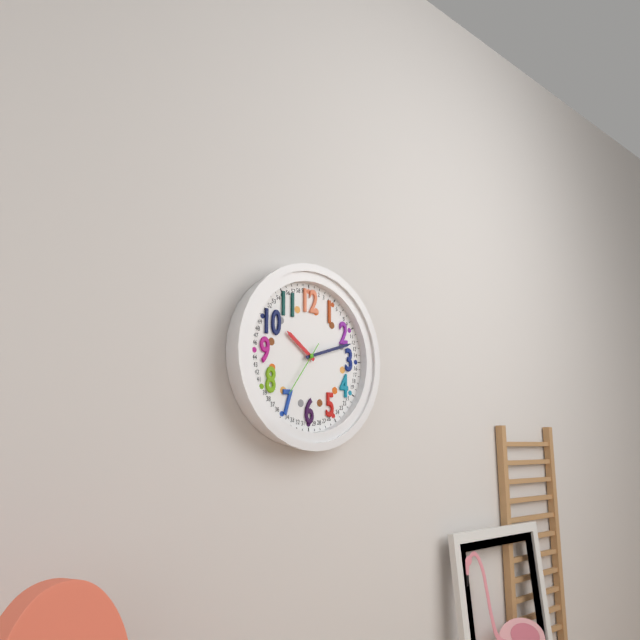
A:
10h12m36s
